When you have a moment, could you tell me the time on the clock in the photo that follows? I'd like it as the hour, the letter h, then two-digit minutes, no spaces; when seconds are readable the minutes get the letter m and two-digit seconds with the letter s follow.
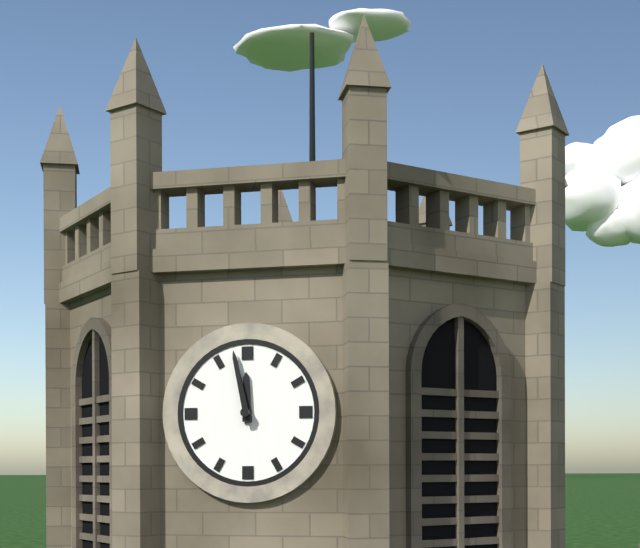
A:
11h58
